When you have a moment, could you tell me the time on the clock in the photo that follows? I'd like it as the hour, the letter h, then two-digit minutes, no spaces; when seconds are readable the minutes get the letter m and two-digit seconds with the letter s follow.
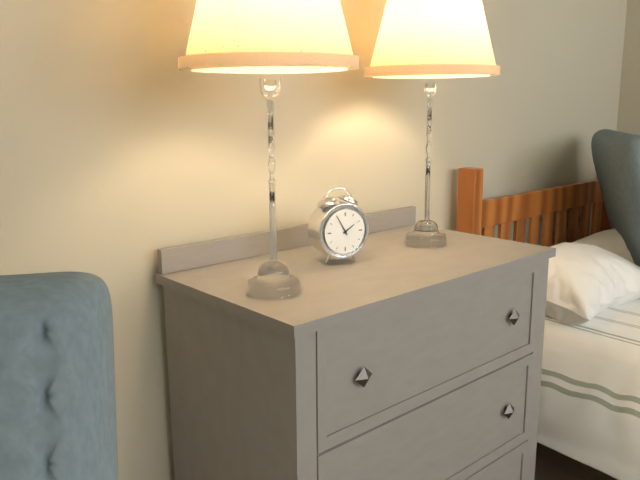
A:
1h55
